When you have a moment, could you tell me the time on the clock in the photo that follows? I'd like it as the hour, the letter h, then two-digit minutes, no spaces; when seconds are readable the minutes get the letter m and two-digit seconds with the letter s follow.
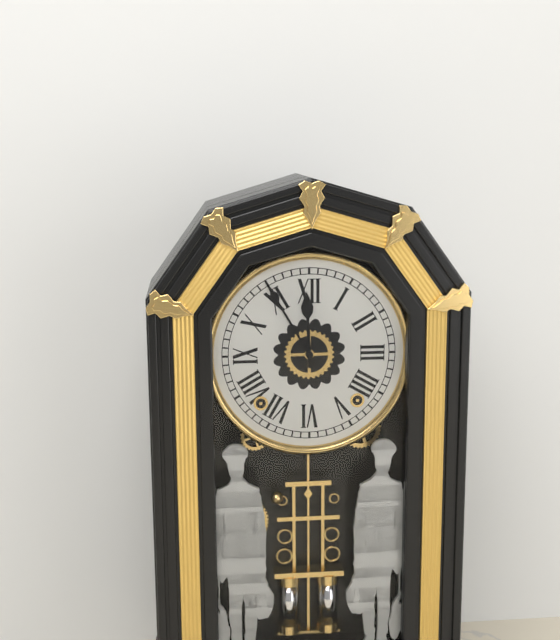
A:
11h55
